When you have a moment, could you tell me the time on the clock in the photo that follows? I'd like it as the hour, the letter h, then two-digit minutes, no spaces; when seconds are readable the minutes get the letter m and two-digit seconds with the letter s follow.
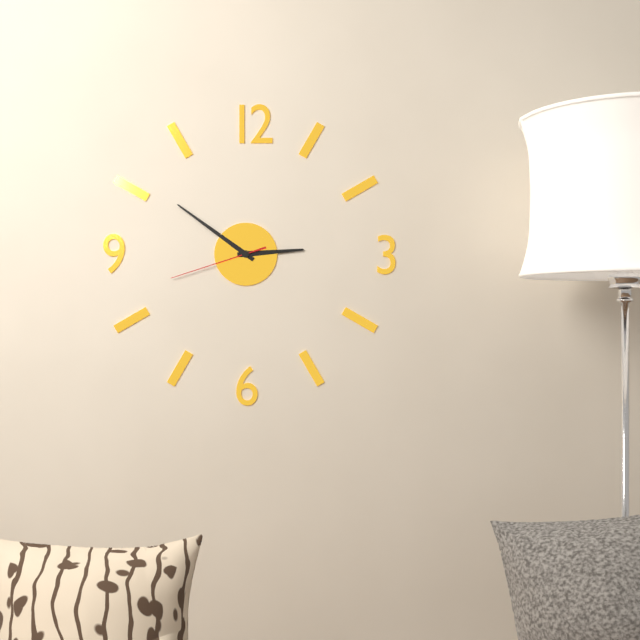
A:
2h51m42s
